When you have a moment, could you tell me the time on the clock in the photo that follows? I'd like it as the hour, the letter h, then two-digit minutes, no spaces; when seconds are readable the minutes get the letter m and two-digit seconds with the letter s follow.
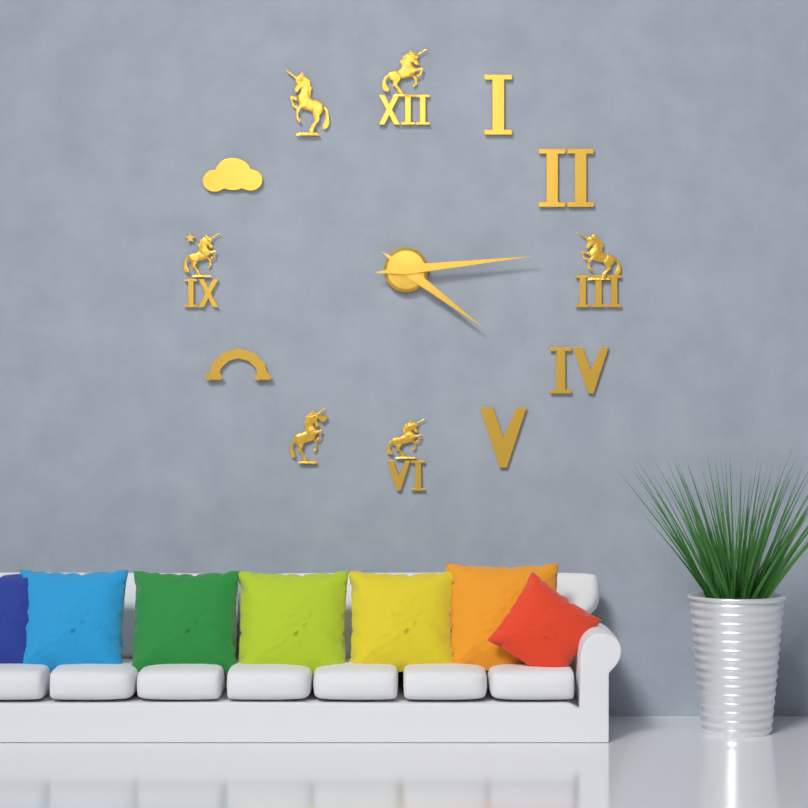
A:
4h14
